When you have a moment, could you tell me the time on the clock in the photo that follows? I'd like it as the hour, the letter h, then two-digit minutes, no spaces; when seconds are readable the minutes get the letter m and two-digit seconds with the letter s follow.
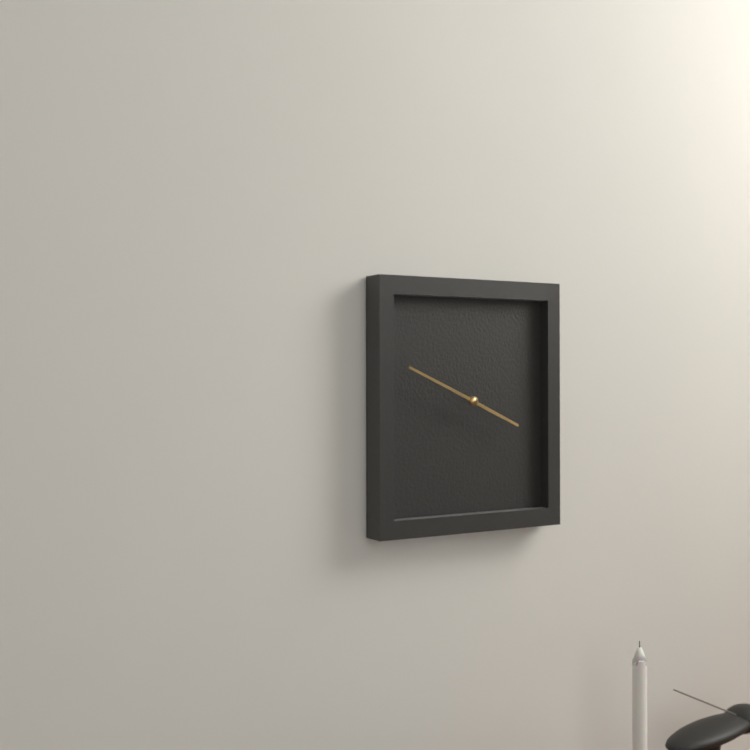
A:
3h49
